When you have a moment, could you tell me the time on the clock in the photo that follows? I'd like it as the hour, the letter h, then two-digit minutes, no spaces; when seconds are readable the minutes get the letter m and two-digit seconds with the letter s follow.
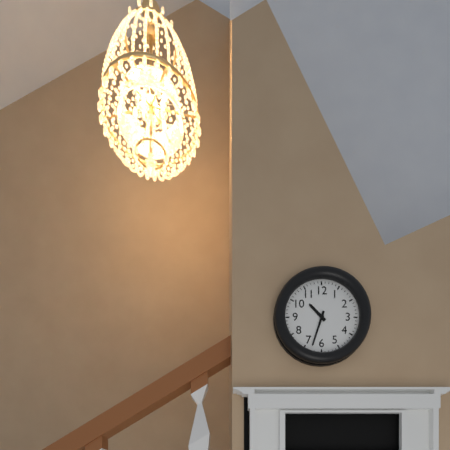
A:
10h33
